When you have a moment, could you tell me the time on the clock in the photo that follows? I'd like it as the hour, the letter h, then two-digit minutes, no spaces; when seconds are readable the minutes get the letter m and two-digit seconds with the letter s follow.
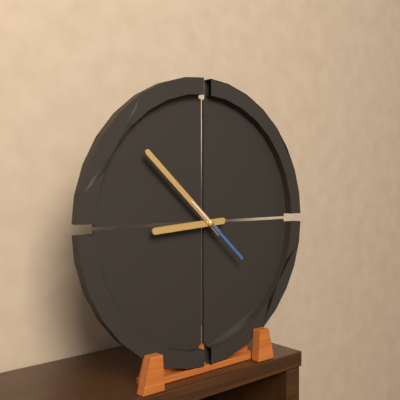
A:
8h52m22s
